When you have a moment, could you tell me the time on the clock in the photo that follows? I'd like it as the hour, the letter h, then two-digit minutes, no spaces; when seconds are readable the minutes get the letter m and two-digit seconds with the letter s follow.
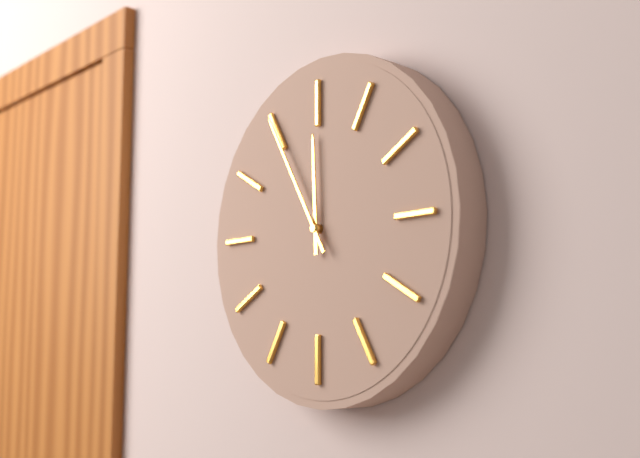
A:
11h55
